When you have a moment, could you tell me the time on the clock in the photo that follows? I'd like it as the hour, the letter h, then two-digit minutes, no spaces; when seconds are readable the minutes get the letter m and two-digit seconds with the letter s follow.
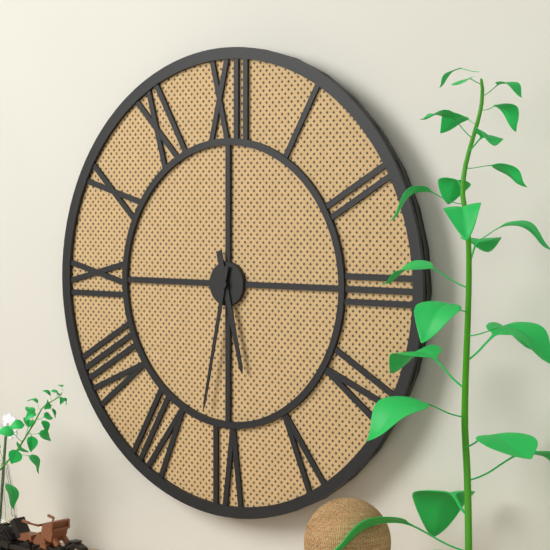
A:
5h32
